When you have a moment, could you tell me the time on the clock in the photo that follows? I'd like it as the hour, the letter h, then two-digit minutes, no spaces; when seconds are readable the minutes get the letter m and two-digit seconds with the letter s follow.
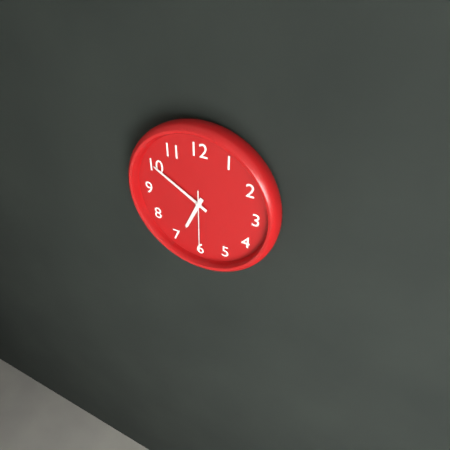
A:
6h50m30s
